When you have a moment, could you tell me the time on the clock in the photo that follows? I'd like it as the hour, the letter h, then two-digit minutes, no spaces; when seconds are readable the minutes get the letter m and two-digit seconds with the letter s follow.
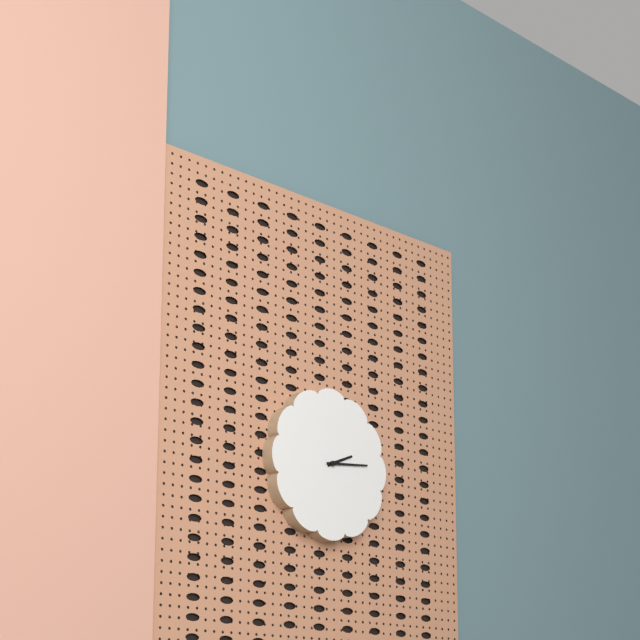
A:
2h14
